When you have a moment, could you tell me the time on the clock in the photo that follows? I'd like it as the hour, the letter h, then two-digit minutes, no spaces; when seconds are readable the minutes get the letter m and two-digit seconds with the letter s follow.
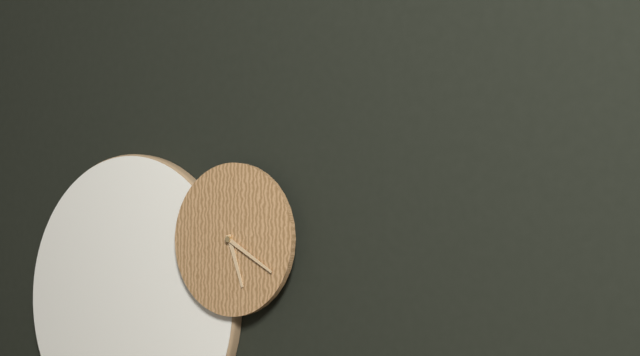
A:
5h20
